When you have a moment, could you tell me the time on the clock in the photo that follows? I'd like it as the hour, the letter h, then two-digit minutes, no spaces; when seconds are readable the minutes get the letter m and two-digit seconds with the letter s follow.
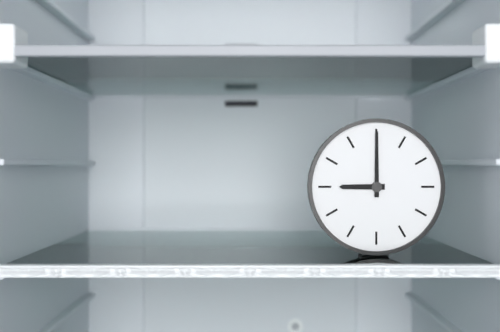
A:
9h00
